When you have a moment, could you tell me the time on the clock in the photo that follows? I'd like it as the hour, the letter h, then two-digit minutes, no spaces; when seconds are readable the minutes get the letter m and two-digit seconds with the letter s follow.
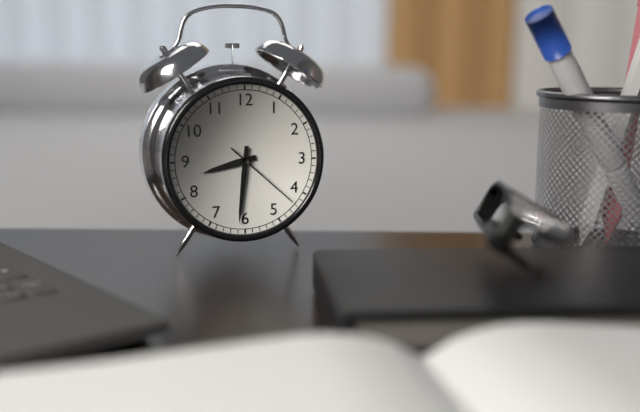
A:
8h31m22s
